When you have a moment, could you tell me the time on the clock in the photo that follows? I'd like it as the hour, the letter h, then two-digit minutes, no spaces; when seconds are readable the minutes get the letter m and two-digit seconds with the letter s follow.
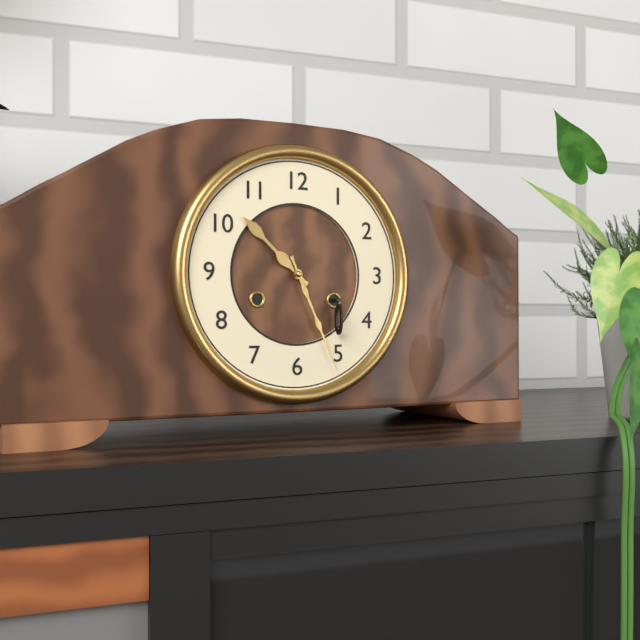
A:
10h26
